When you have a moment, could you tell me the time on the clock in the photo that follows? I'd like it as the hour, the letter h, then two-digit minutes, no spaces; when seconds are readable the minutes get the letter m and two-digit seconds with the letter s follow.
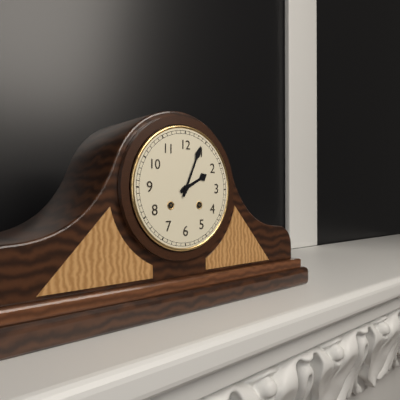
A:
2h04
